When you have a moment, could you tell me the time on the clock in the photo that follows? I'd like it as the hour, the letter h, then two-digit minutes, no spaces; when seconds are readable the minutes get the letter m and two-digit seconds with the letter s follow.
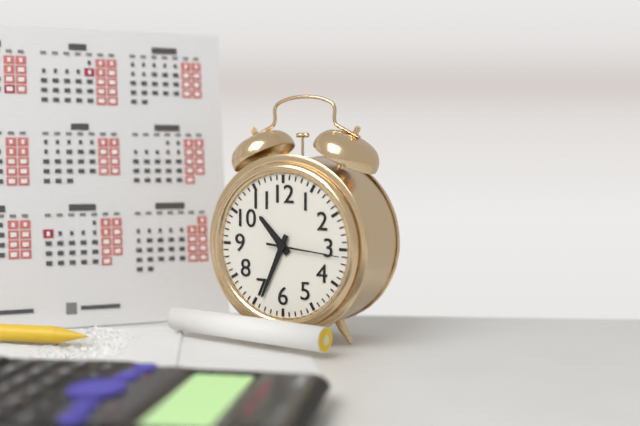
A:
10h34m16s
